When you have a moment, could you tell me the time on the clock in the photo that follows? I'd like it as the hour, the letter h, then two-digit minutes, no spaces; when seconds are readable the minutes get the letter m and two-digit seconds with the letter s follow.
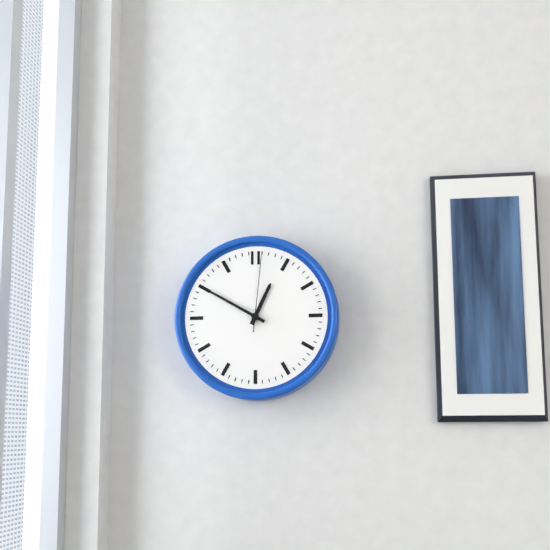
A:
12h50m01s
